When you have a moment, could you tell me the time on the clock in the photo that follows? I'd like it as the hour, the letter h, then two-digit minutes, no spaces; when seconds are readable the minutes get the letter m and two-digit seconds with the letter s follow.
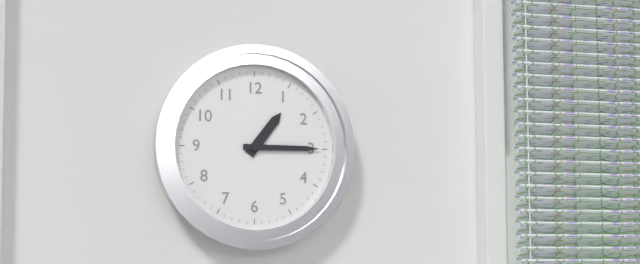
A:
1h15
